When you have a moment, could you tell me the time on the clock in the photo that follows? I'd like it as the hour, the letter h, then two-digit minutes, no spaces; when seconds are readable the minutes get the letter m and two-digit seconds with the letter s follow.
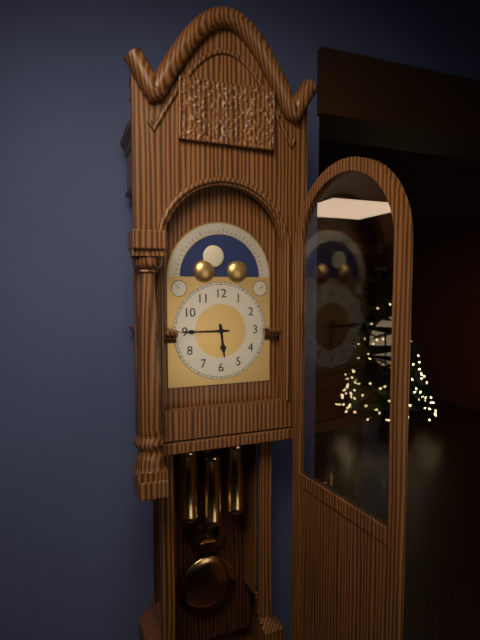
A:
5h45
